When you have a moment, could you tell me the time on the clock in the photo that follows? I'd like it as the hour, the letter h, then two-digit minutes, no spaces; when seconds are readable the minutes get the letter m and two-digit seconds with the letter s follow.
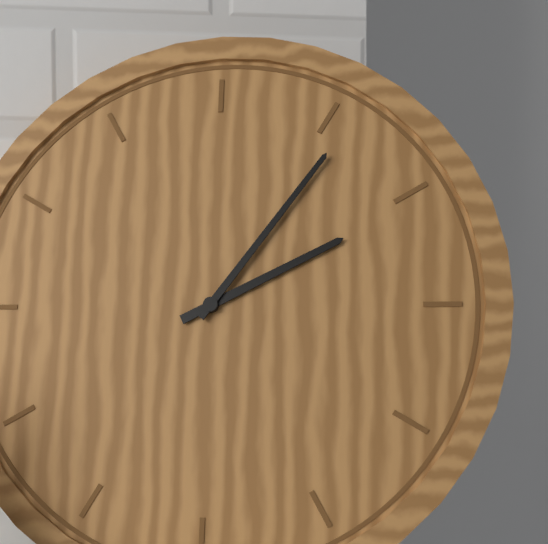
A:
2h06
